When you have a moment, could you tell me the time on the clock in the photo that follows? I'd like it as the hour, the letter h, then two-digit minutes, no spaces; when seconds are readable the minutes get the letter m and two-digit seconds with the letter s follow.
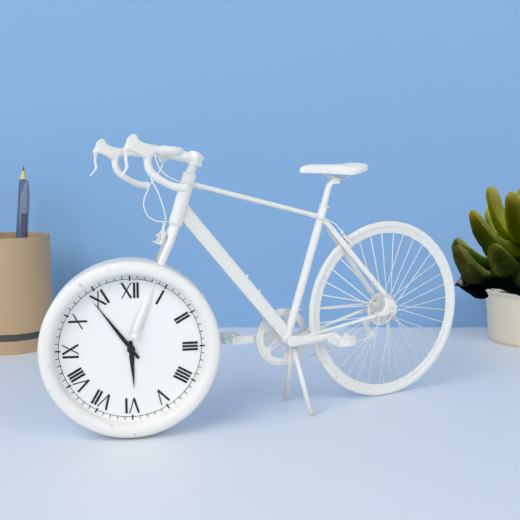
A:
5h54
